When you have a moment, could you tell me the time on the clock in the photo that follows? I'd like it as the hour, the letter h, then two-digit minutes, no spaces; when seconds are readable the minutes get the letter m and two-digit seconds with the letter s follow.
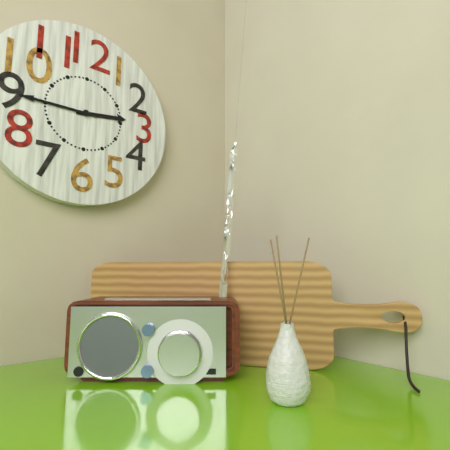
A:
2h45
